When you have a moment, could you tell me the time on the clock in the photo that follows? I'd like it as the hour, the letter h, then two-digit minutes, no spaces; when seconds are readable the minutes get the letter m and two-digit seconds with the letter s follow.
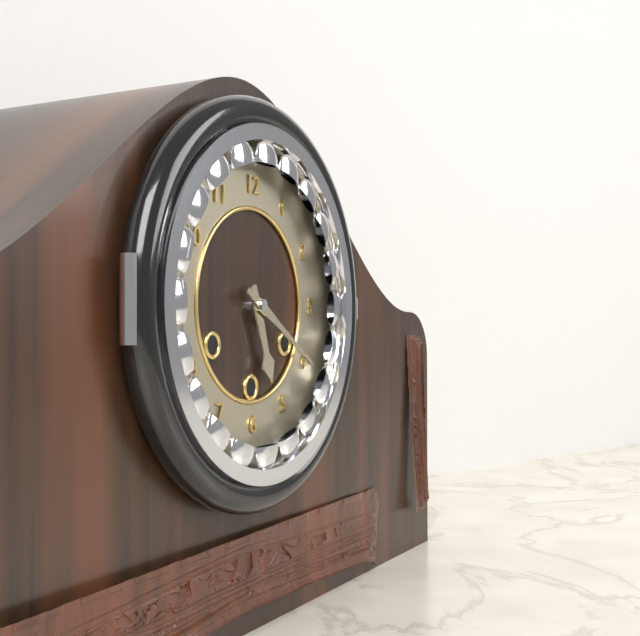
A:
5h20
